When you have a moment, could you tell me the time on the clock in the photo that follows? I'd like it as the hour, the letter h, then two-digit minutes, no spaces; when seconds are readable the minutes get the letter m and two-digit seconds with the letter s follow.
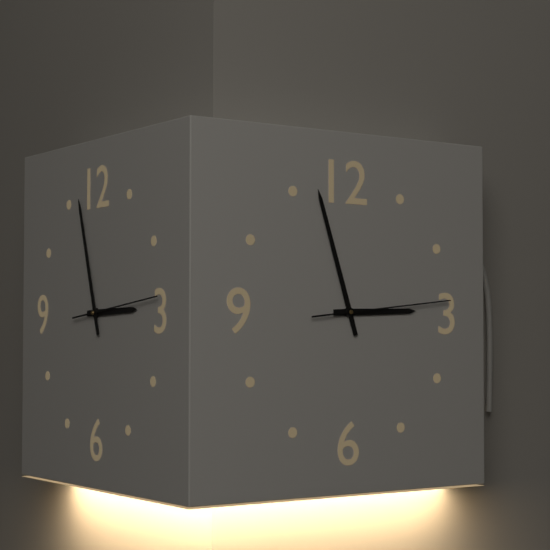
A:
2h57m14s
